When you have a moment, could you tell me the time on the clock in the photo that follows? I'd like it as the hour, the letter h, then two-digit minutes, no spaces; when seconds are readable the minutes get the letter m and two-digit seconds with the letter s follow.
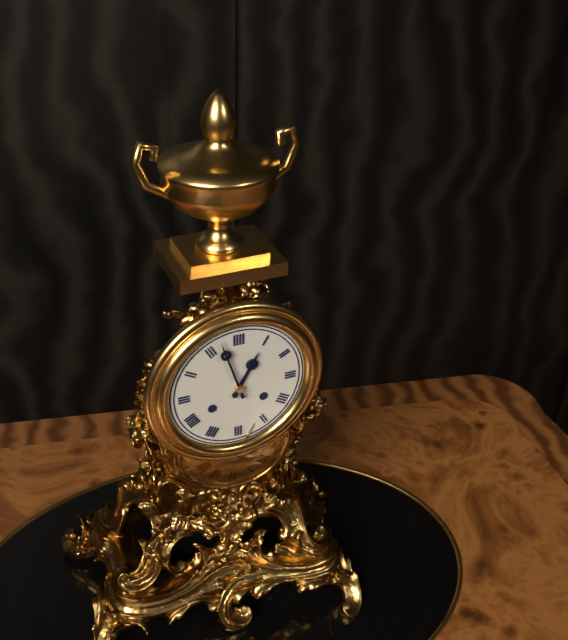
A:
12h57
